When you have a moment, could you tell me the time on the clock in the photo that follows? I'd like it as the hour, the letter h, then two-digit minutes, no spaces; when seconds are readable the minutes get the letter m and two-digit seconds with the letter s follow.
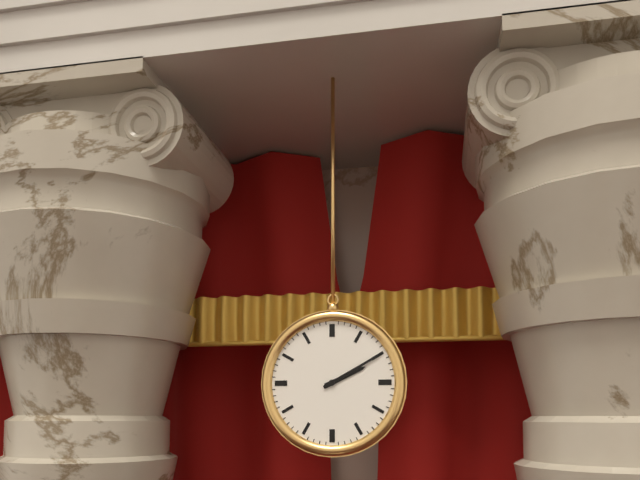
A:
2h10
